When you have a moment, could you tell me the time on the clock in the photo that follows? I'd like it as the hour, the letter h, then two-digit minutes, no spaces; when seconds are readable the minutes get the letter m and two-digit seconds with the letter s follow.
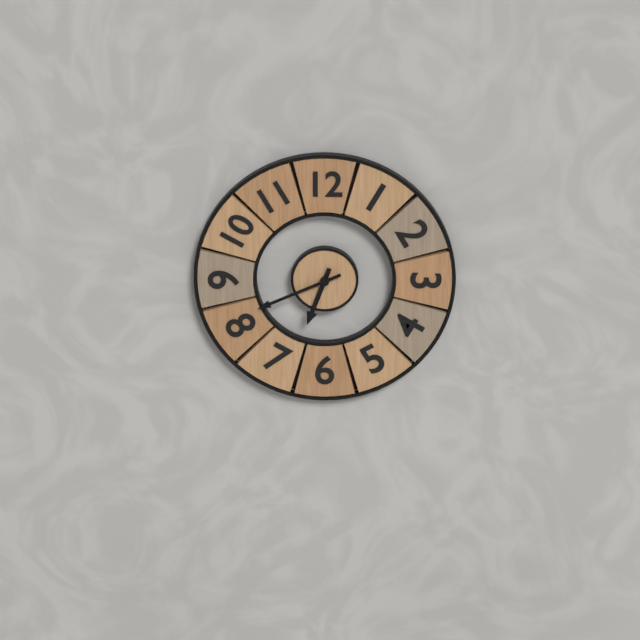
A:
6h41
